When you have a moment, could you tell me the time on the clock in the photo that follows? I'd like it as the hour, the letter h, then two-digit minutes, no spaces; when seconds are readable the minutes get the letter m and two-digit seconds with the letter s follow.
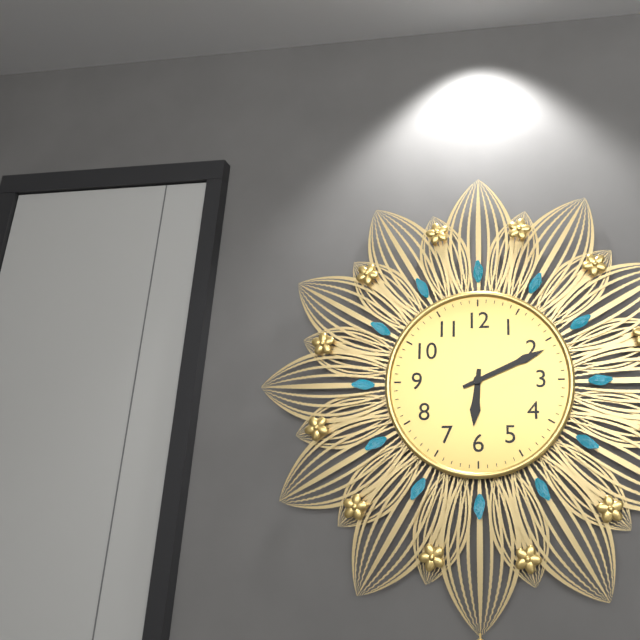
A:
6h11
